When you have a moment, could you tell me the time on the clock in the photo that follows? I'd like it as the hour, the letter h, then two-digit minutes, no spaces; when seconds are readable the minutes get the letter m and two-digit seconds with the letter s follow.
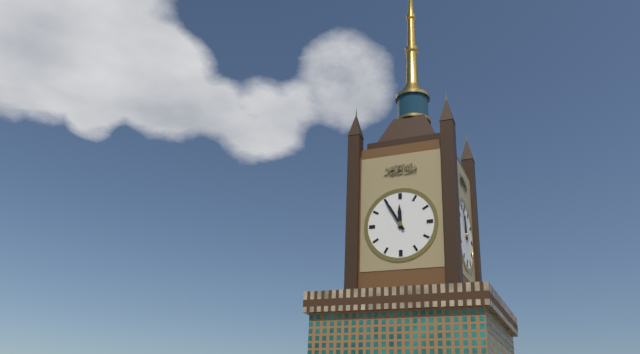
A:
11h55
